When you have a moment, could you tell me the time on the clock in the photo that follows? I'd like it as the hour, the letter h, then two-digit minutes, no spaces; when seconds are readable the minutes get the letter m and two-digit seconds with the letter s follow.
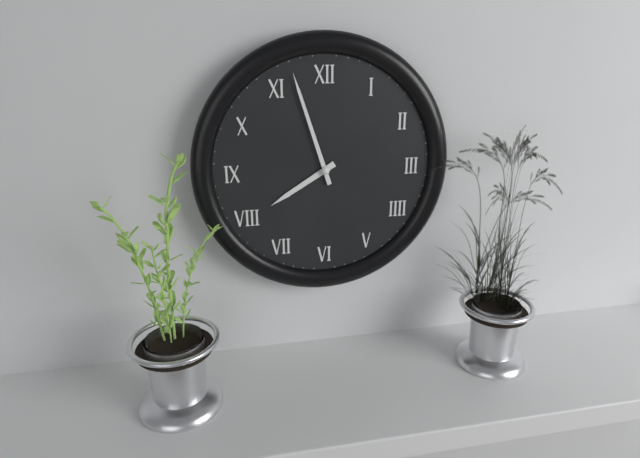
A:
7h57
